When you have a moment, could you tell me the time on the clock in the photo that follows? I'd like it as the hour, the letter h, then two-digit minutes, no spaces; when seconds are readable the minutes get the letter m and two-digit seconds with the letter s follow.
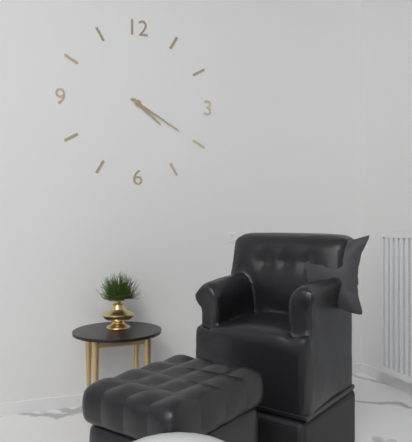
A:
4h20
